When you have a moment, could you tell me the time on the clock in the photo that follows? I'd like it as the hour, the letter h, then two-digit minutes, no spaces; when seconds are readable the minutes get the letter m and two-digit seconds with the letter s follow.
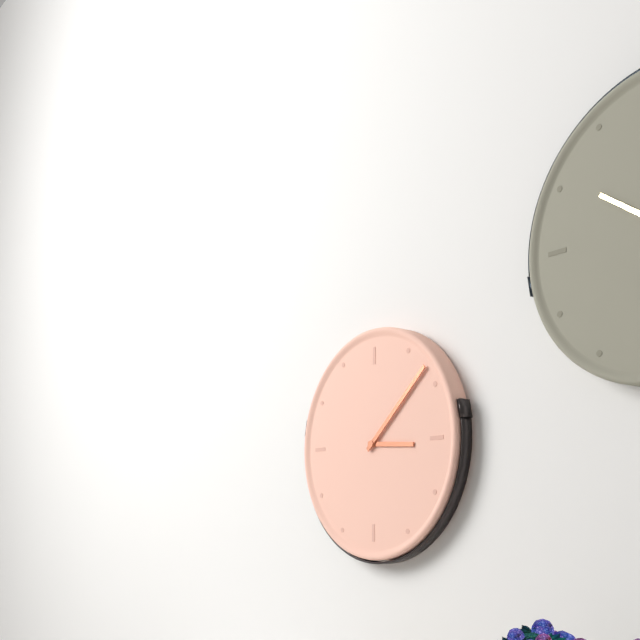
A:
3h08
